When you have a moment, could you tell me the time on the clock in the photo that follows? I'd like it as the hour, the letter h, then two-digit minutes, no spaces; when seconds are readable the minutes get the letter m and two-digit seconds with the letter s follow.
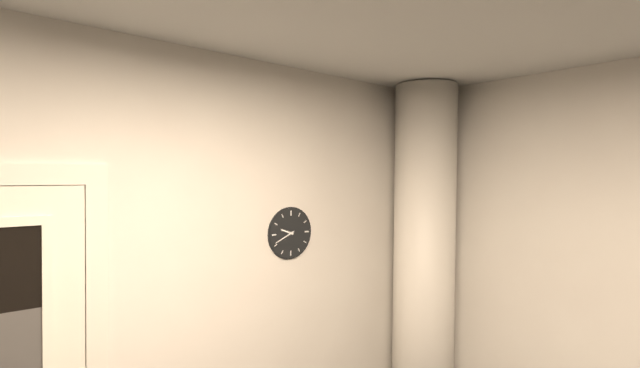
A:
9h41
